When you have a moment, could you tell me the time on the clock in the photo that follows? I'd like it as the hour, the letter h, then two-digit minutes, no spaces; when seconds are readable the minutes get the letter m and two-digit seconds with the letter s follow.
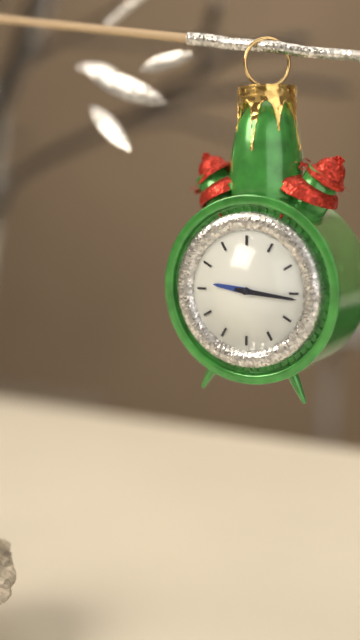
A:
9h16
